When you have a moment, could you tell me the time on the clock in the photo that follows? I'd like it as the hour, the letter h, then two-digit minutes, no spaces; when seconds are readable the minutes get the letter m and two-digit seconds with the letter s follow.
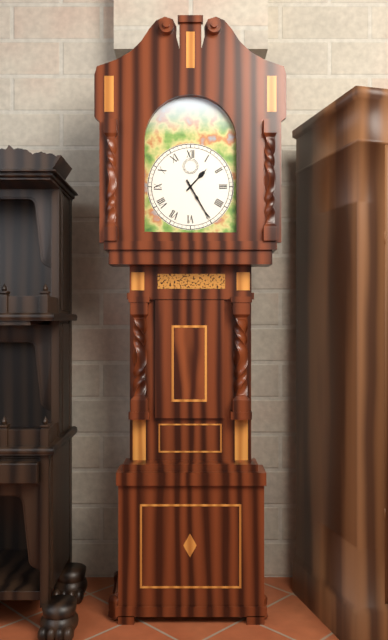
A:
1h25
